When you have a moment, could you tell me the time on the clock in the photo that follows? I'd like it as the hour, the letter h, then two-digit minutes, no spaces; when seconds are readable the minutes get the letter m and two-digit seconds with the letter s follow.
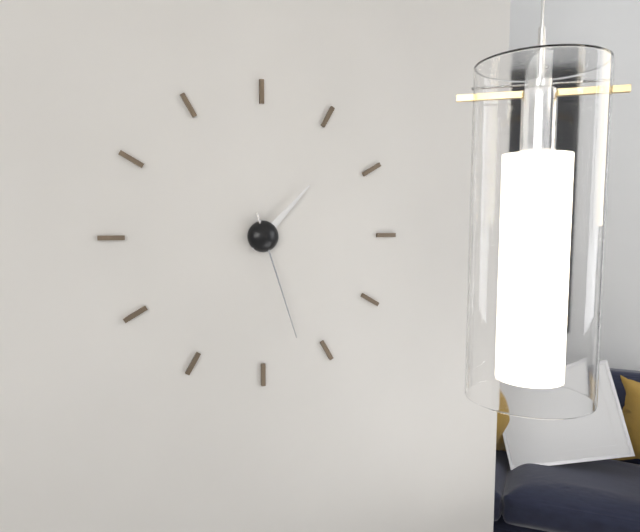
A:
1h27
